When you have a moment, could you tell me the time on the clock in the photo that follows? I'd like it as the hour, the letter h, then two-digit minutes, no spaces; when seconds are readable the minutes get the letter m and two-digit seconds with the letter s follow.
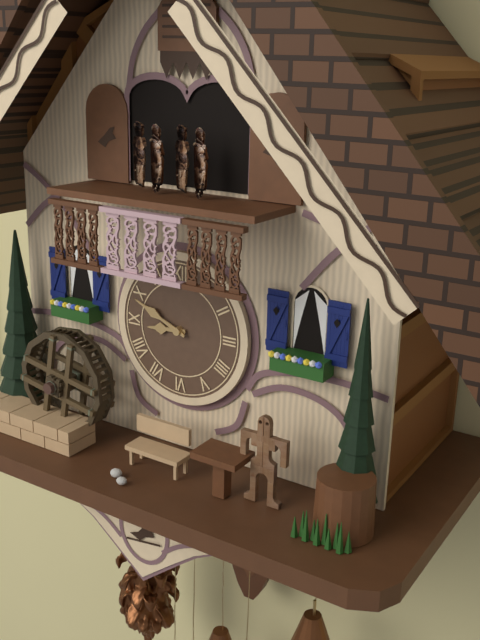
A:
8h49
